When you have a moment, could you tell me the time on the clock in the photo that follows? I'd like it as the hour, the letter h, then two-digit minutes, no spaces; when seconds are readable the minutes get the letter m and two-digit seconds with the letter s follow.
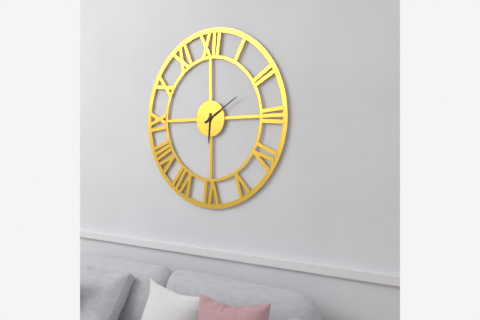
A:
6h10
